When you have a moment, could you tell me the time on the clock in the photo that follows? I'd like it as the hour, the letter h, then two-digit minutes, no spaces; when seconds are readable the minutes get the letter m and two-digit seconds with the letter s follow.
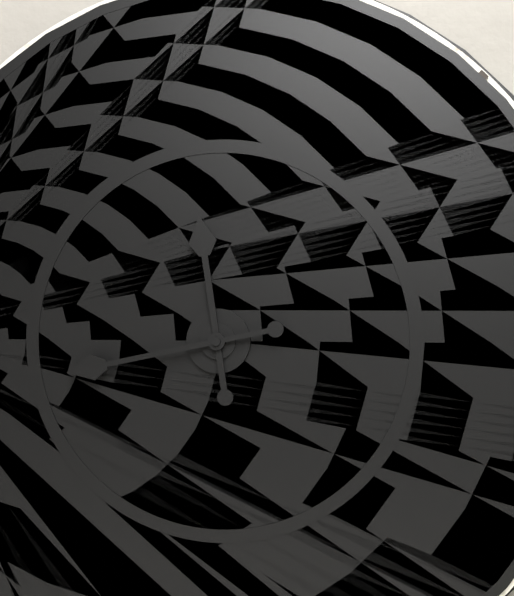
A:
11h43
